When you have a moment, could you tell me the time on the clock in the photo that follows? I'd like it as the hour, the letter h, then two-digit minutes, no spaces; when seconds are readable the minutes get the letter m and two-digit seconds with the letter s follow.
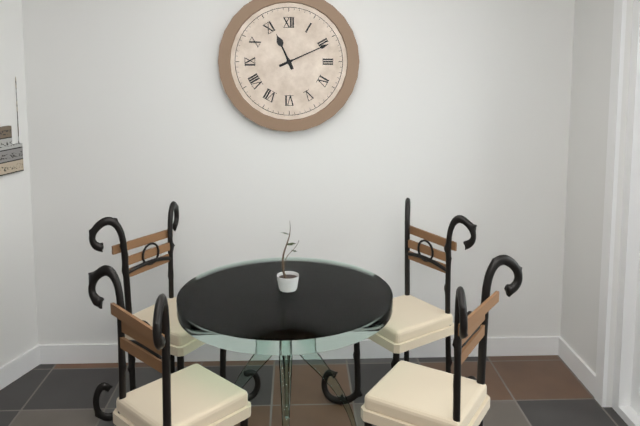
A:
11h11
